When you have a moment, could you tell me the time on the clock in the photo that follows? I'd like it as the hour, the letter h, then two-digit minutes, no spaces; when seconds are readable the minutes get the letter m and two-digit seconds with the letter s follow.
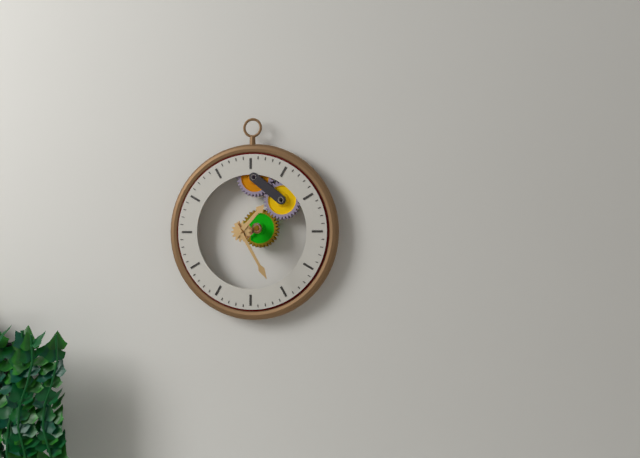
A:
1h25
